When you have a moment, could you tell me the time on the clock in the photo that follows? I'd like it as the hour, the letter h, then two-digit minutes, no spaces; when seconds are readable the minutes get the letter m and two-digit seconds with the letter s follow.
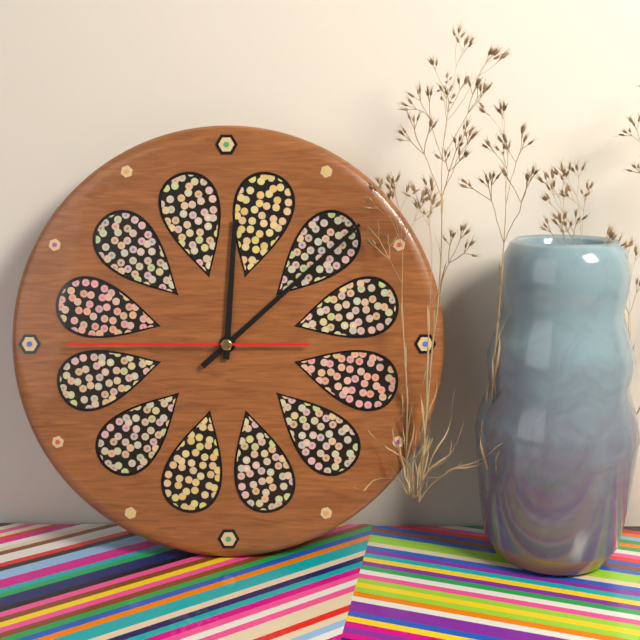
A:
12h08m45s
